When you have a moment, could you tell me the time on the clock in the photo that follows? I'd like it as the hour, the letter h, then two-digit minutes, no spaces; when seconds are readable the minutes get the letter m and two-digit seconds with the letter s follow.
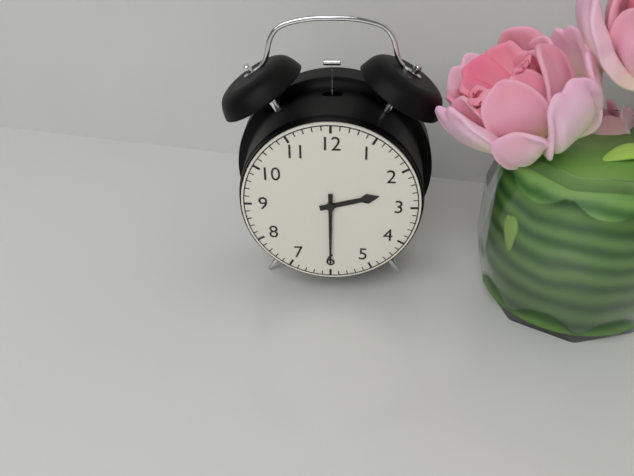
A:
2h30
